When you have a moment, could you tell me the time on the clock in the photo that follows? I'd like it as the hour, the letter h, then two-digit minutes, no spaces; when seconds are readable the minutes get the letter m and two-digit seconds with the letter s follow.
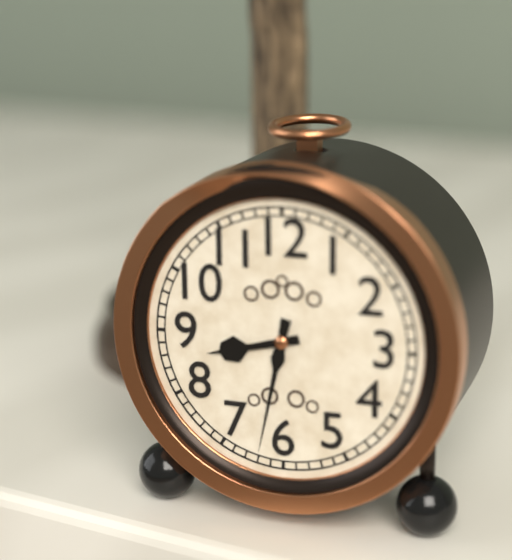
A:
8h32
